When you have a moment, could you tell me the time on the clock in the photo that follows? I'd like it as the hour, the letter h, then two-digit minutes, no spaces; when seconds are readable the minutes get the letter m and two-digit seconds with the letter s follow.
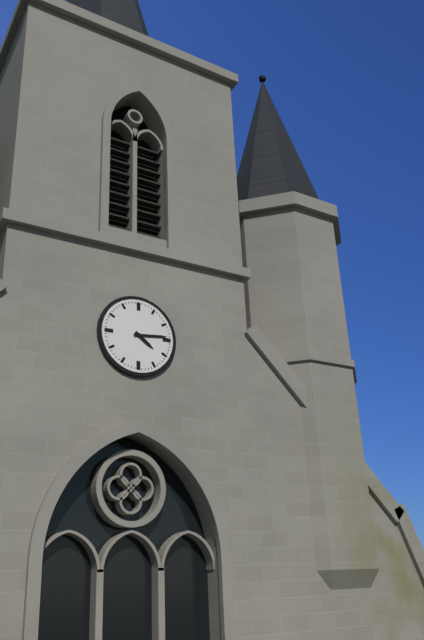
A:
4h14
